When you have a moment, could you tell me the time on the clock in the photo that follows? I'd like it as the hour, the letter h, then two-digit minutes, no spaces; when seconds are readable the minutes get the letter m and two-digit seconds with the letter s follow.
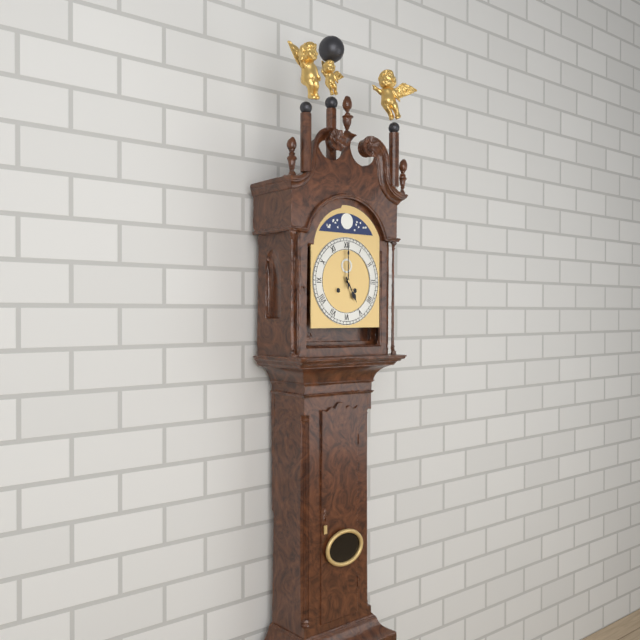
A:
5h00
